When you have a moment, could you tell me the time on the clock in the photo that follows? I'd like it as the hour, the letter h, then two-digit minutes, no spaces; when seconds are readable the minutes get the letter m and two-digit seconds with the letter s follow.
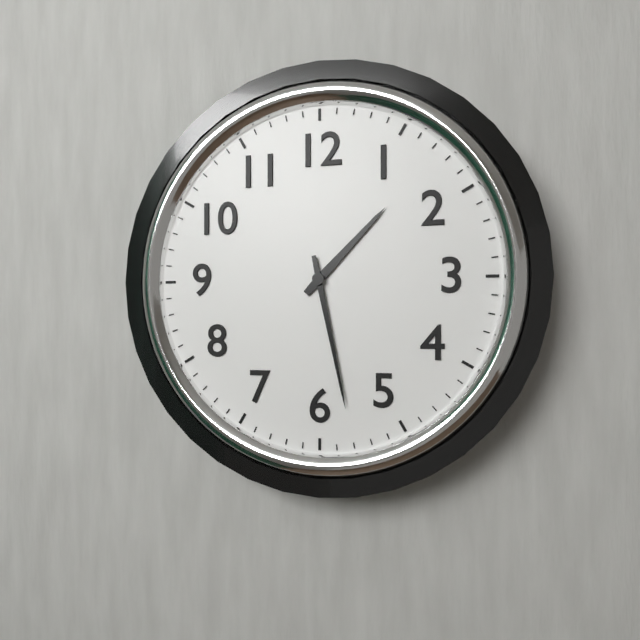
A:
1h28
